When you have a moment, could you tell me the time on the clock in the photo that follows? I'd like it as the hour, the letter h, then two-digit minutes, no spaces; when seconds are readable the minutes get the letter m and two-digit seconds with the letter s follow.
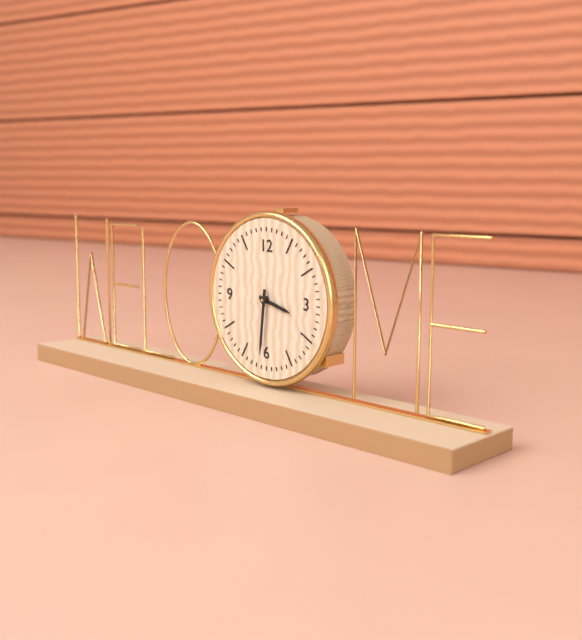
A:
3h31
